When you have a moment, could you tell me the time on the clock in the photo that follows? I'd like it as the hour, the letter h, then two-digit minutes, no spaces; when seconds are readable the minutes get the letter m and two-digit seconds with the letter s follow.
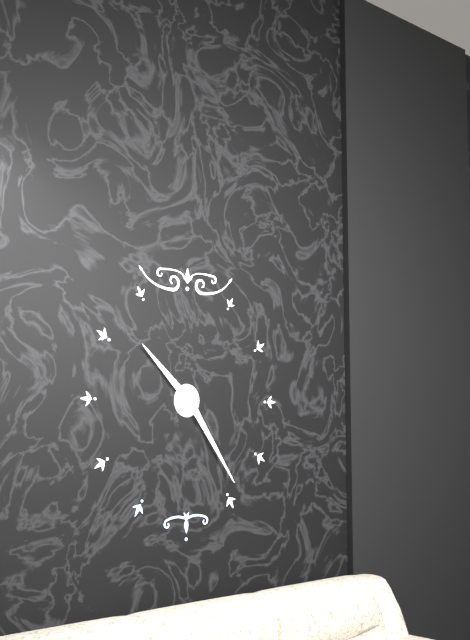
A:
10h24
